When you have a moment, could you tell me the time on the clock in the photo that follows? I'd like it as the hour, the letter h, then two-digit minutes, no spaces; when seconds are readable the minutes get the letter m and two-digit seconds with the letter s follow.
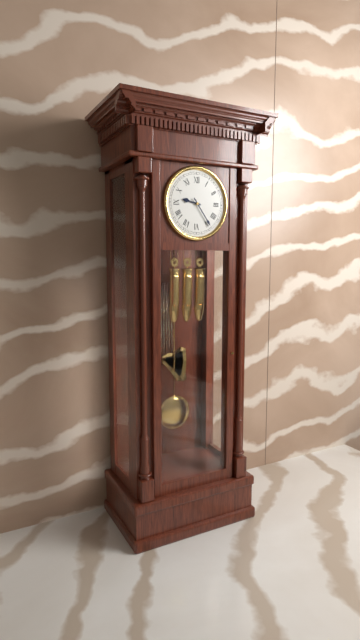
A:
9h24
